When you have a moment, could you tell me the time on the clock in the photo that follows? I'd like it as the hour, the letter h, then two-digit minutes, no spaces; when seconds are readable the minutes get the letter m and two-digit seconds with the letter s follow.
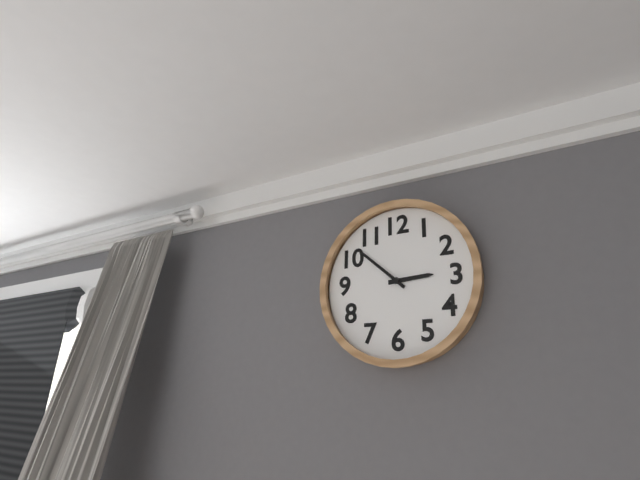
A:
2h52
